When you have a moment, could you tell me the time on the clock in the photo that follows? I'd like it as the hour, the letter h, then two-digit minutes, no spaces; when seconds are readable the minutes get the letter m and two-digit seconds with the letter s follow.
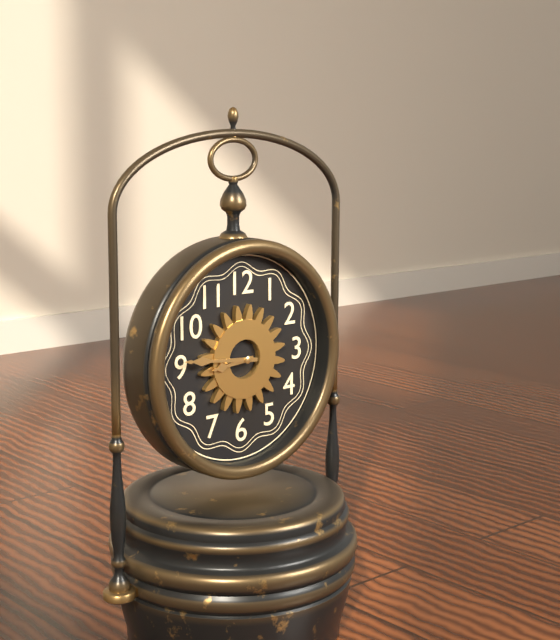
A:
8h46
